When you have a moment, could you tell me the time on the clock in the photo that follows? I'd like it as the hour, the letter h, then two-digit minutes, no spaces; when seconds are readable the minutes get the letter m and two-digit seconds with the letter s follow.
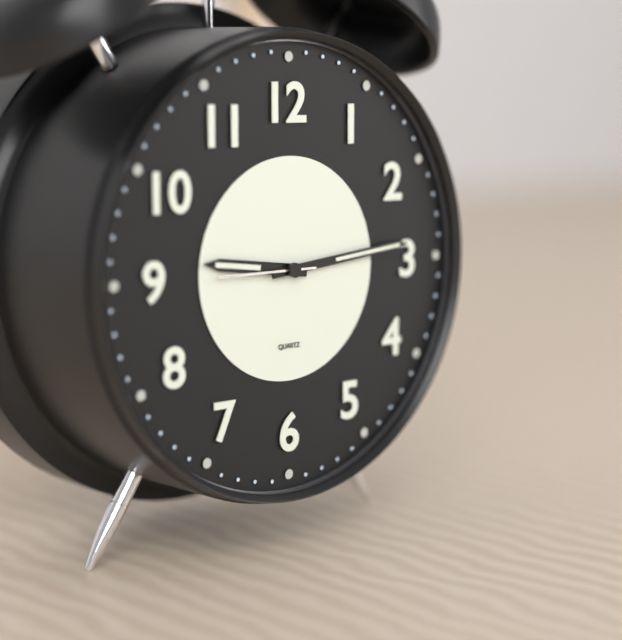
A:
9h14m45s
